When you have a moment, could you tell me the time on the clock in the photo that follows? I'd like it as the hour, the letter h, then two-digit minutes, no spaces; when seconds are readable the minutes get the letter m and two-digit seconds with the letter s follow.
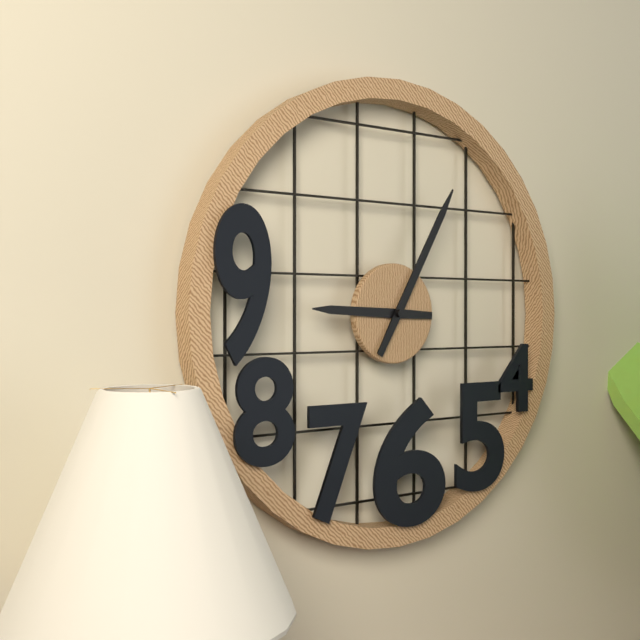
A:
9h05
